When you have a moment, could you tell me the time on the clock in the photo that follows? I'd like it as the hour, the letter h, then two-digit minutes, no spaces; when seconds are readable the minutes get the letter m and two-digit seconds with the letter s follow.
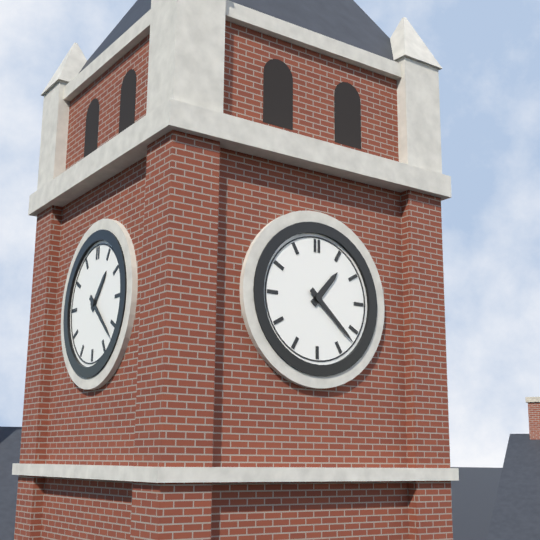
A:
1h22
